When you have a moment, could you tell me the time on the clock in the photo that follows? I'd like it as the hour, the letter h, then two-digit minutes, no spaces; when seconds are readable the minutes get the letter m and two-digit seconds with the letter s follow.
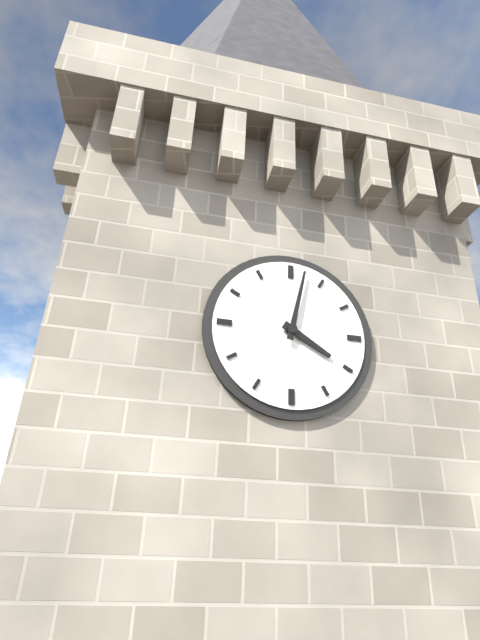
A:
4h02
